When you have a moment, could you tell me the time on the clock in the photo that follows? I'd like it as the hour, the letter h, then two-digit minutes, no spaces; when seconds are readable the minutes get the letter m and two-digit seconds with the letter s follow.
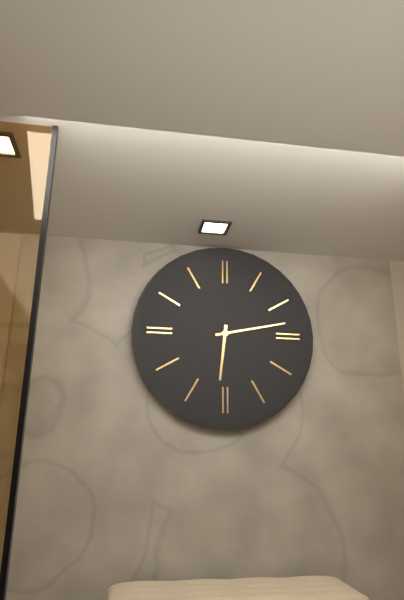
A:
6h13
